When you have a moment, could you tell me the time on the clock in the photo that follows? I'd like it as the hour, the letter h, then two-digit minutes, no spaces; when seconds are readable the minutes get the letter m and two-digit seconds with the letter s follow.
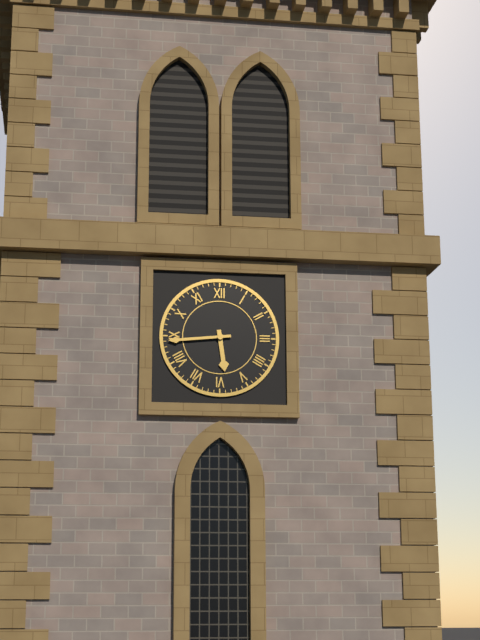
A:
5h44
